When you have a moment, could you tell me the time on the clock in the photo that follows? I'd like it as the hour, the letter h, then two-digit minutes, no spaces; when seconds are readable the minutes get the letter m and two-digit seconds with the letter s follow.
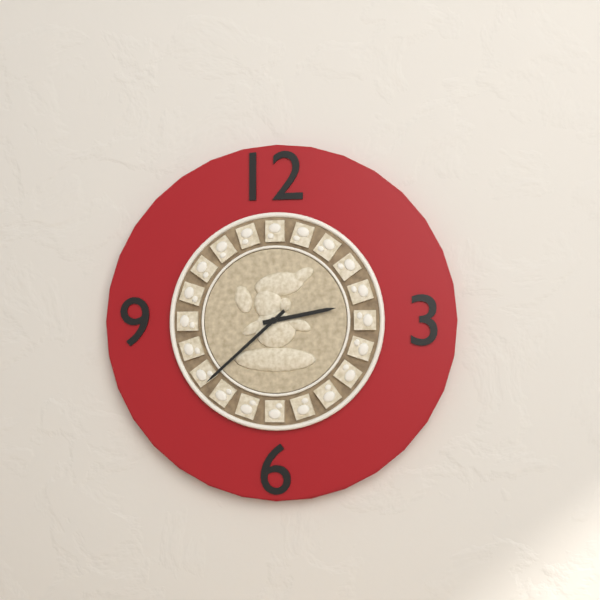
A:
2h38
